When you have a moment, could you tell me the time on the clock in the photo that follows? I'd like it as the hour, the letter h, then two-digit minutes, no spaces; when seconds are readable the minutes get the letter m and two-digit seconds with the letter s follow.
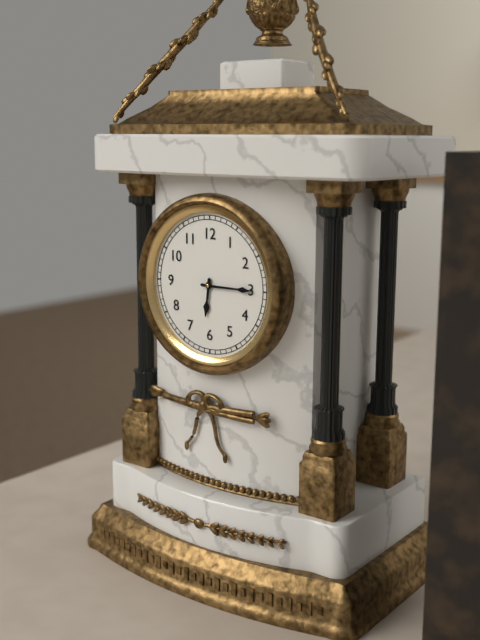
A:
6h15
